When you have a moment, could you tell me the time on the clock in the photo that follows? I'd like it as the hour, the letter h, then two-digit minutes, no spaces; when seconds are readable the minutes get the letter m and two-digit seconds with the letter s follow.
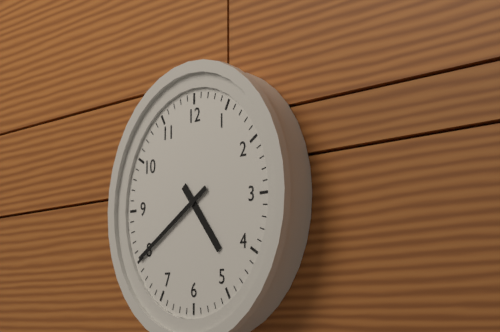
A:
4h40
